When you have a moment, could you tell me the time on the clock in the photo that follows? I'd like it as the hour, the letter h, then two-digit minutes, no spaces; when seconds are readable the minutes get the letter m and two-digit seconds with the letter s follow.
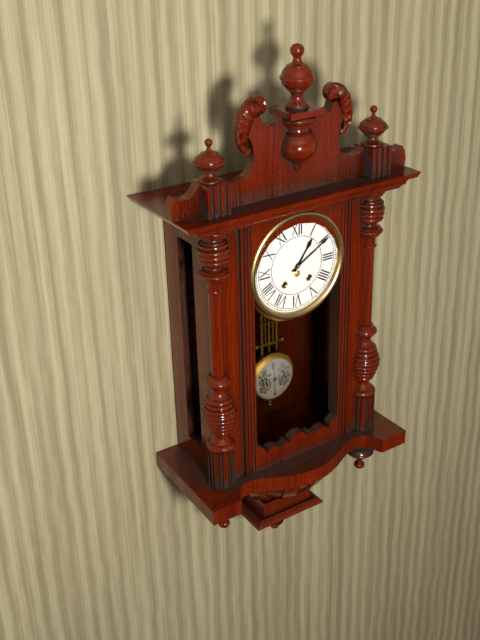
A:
1h10
